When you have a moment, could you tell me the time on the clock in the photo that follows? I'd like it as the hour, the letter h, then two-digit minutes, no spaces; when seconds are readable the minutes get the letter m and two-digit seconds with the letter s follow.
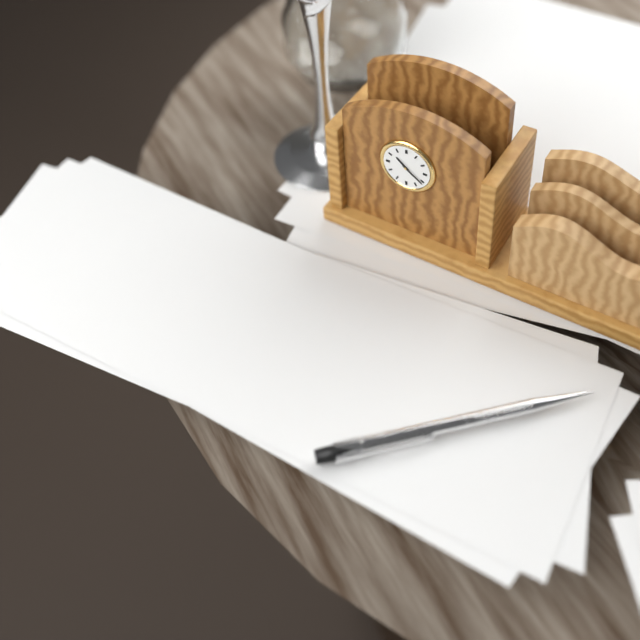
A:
10h21
